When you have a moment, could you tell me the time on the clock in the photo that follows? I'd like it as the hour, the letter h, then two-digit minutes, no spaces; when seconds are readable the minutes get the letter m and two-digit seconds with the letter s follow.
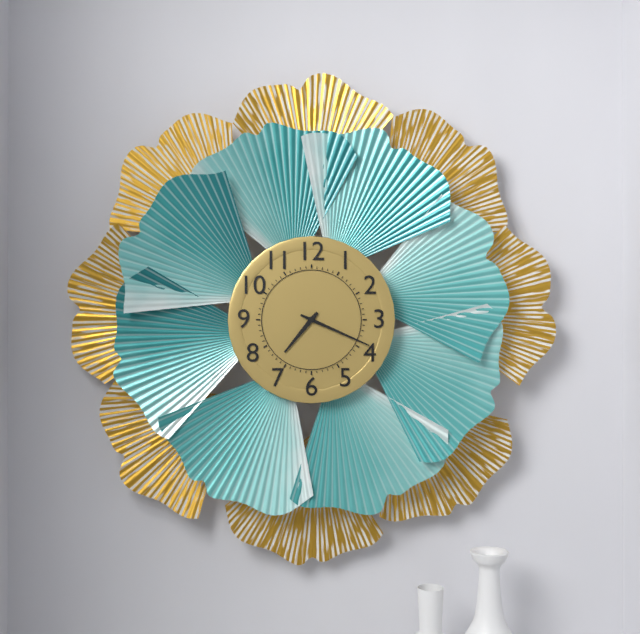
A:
7h19
